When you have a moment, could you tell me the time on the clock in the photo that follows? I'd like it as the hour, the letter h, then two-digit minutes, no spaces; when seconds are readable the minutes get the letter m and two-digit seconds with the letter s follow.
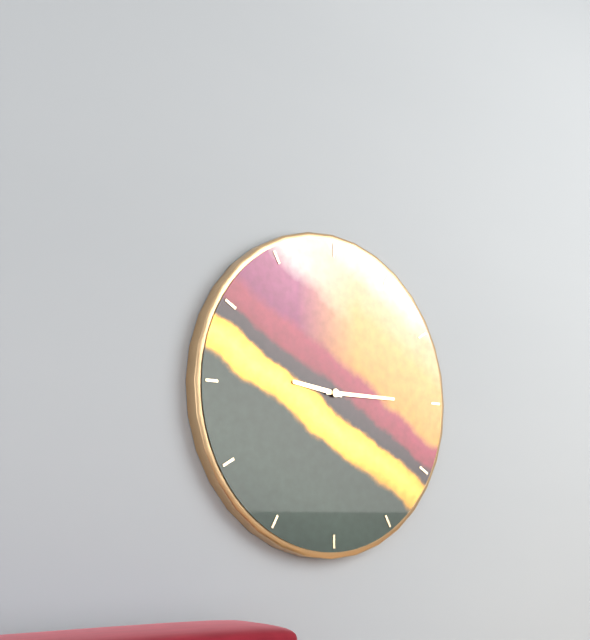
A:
9h15
